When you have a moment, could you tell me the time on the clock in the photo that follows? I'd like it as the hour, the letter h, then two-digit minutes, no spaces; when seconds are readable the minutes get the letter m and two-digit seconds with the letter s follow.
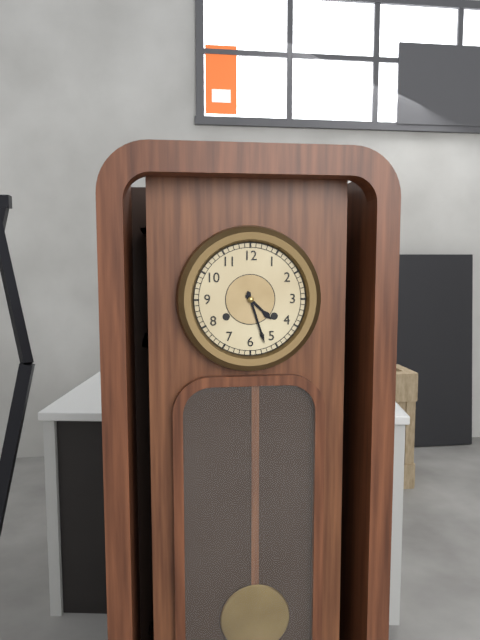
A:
4h27
